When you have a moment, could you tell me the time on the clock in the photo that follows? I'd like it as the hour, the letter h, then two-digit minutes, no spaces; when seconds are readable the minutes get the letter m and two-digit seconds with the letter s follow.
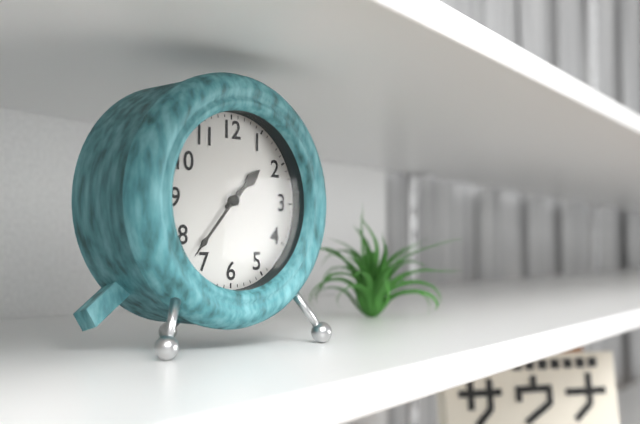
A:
1h37
